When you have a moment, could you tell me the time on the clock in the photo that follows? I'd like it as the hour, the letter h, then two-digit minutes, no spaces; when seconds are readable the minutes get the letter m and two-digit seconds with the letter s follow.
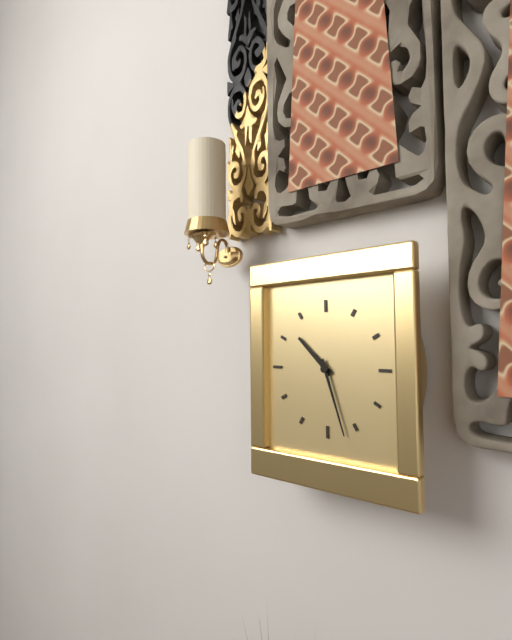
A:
10h27
